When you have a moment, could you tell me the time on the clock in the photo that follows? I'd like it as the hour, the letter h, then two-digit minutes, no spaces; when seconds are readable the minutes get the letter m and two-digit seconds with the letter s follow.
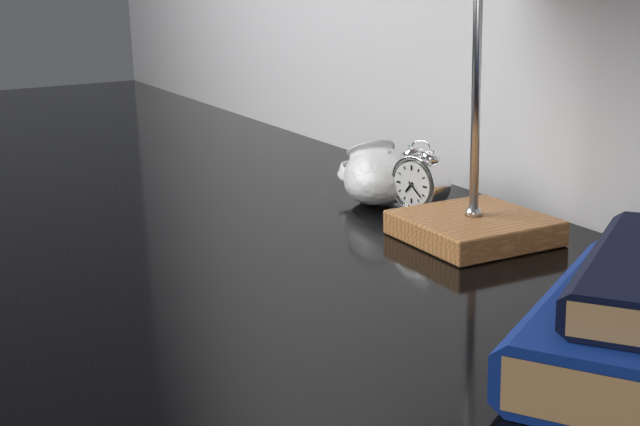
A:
7h22
